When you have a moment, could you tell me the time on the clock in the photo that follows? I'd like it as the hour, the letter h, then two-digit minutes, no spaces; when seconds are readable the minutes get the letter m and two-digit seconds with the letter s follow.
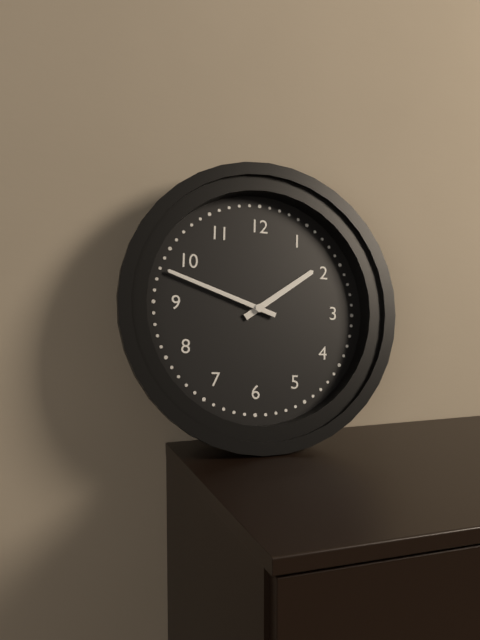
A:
1h48
